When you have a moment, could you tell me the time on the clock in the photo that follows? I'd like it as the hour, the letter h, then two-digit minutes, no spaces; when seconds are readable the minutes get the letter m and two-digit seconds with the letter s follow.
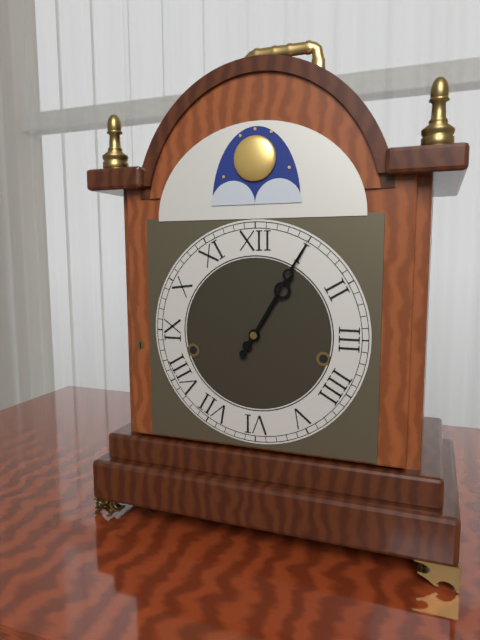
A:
1h05
